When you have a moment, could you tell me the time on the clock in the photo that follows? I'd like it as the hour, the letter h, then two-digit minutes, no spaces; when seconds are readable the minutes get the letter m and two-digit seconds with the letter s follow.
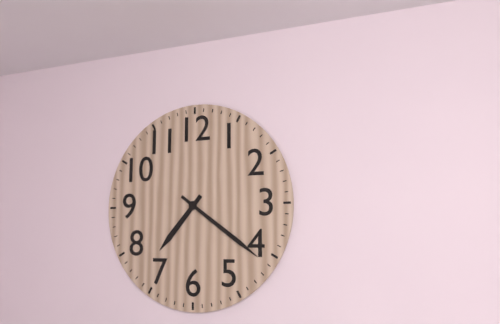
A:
7h21
